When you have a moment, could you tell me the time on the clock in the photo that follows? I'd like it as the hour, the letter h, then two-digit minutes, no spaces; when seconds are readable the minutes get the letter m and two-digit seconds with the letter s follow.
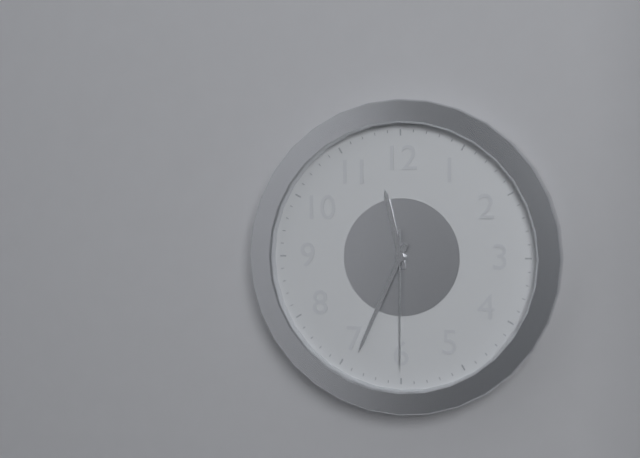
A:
11h34m30s
